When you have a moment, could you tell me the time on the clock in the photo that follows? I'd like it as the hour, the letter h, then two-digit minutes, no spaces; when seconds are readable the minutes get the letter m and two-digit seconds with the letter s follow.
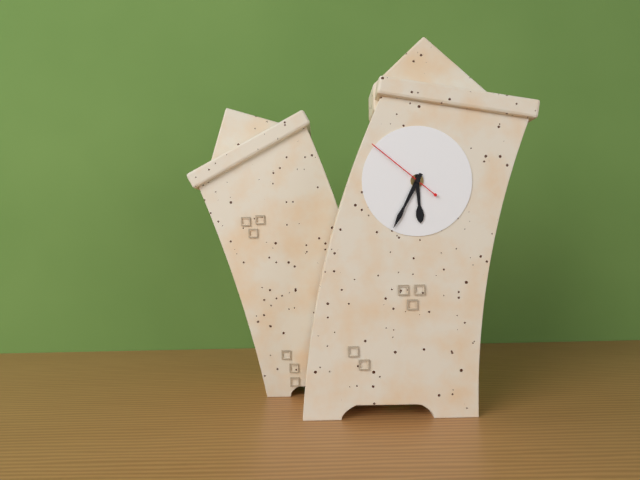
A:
5h33m50s
